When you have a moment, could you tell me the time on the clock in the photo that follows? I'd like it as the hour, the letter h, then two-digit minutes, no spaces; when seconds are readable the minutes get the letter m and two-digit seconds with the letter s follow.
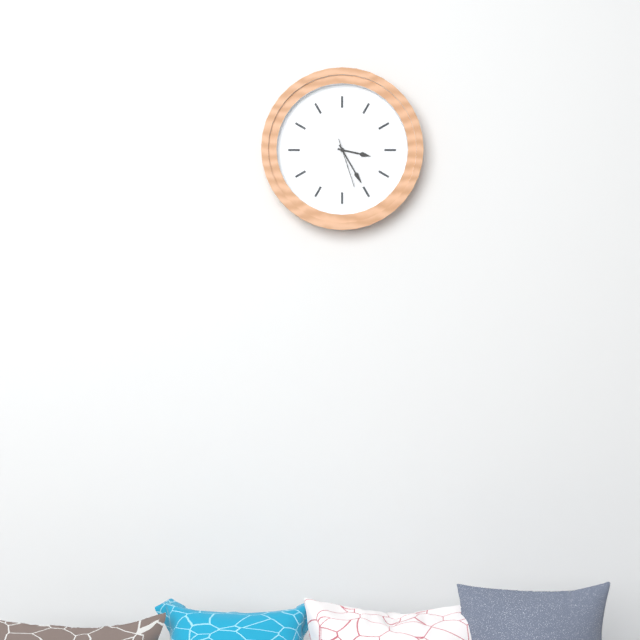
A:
3h25
